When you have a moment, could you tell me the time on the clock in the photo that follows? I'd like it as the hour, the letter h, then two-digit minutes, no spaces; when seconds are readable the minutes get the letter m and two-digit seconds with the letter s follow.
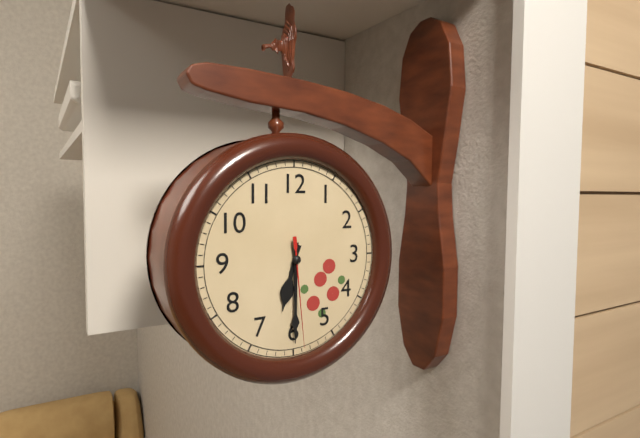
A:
6h30m29s
